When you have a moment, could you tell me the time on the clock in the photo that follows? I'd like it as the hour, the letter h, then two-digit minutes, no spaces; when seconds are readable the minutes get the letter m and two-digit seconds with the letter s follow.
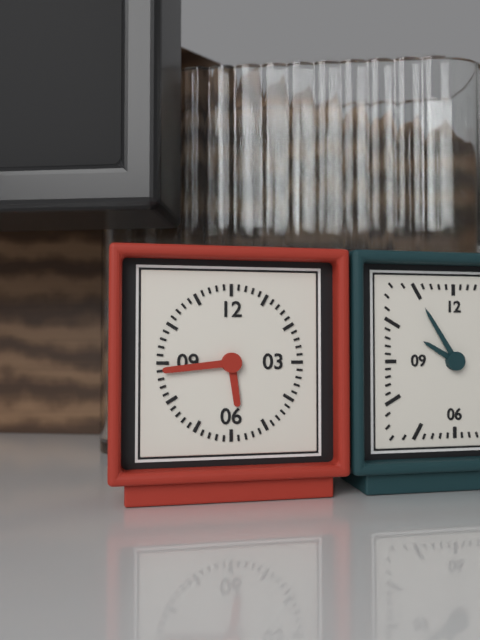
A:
5h44
